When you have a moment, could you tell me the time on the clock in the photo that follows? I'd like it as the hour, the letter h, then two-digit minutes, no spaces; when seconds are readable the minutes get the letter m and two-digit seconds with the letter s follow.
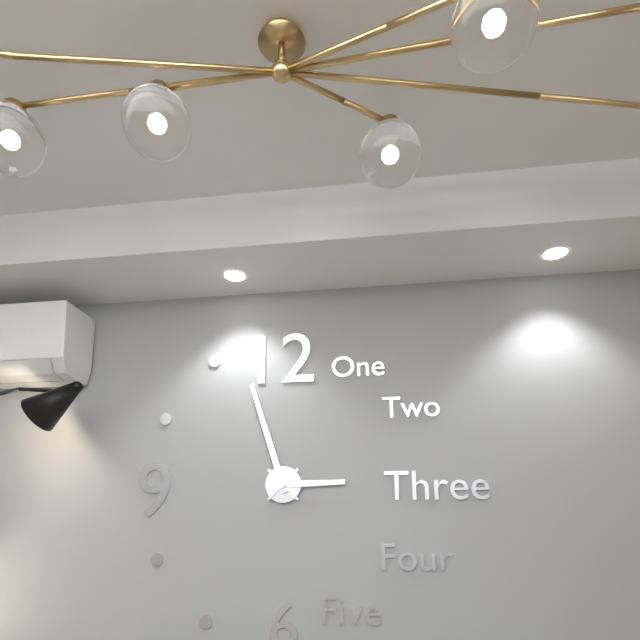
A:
2h57
